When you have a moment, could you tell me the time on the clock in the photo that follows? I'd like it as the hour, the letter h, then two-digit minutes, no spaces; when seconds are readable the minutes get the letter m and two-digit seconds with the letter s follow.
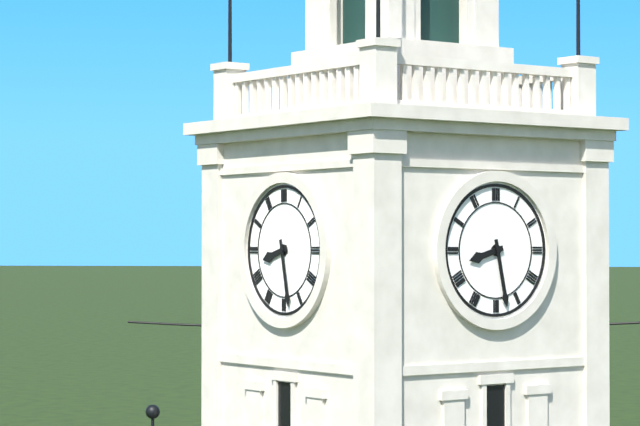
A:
8h28
